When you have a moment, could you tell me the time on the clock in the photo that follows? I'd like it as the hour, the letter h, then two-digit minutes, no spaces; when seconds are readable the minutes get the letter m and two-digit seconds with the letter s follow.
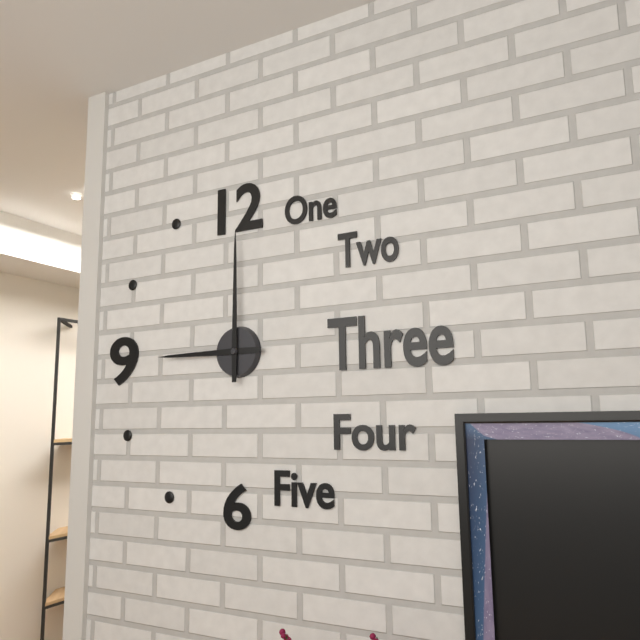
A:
9h00
